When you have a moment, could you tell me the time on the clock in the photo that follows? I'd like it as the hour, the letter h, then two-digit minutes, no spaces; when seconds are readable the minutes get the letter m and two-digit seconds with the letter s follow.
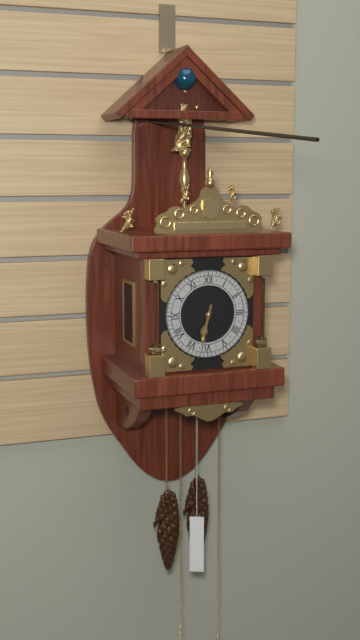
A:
6h32
